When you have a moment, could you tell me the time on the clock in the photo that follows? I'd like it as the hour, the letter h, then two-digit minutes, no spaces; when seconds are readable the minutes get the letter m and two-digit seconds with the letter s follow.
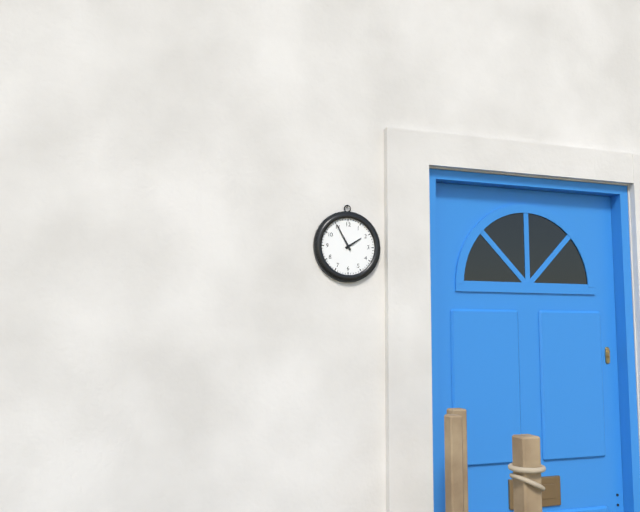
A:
1h55
